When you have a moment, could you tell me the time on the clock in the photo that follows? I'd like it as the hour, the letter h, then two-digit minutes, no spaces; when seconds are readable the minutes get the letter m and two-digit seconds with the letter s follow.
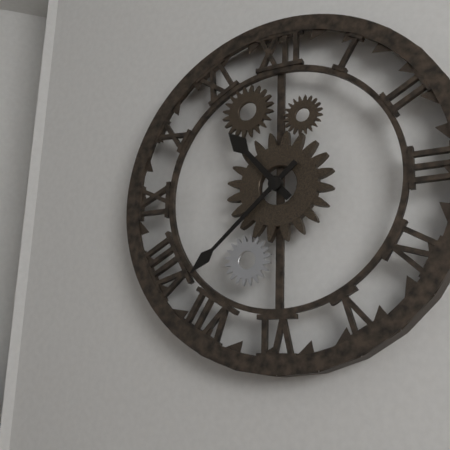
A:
10h38
